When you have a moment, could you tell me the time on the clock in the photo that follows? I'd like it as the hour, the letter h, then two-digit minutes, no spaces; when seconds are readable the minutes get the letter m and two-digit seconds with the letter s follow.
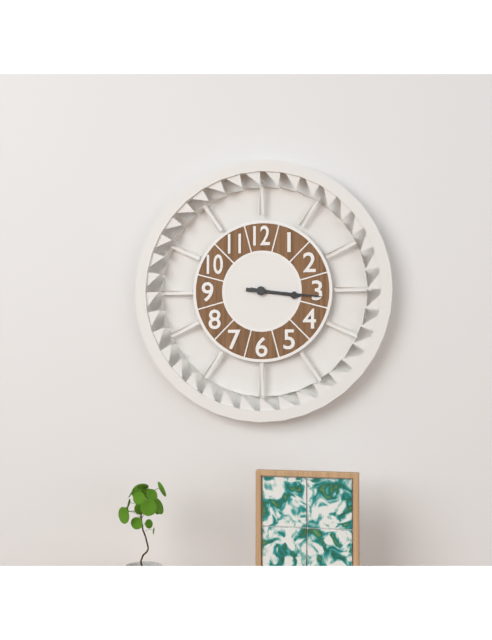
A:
3h16
